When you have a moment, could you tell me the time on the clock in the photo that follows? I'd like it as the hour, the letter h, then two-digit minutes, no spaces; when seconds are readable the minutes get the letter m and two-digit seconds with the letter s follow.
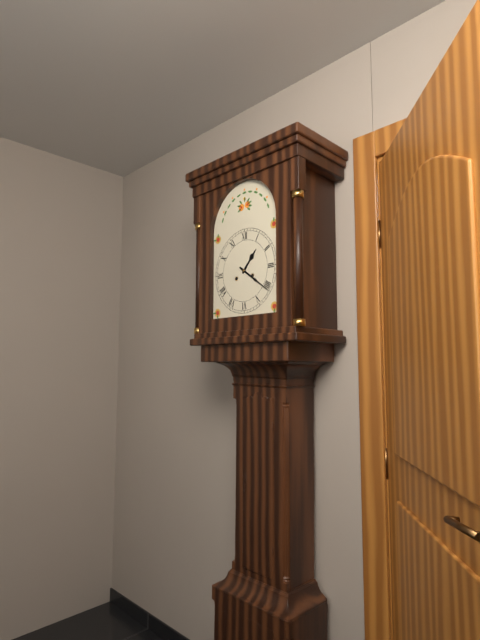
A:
1h21
